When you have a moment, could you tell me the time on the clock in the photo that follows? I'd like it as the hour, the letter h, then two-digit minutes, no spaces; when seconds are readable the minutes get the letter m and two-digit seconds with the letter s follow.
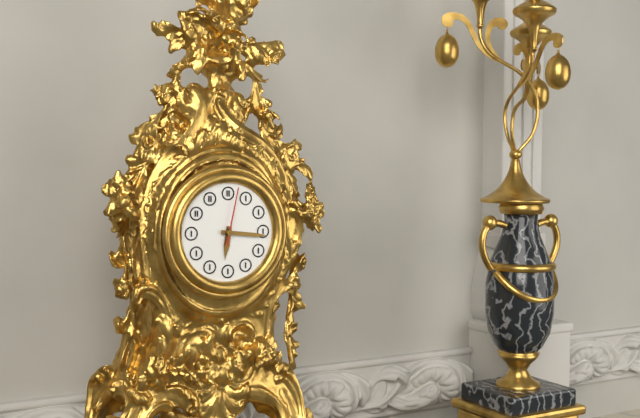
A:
6h16m02s
